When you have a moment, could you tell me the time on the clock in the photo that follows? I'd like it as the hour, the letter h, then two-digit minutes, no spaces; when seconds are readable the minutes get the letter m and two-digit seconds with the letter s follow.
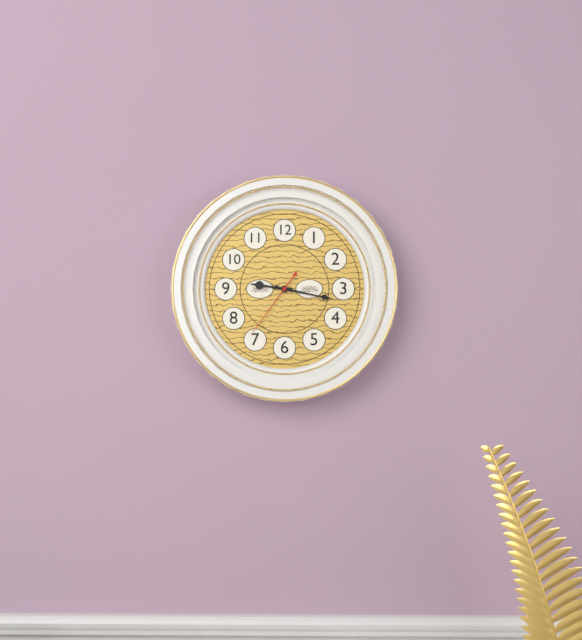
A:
9h17m36s
